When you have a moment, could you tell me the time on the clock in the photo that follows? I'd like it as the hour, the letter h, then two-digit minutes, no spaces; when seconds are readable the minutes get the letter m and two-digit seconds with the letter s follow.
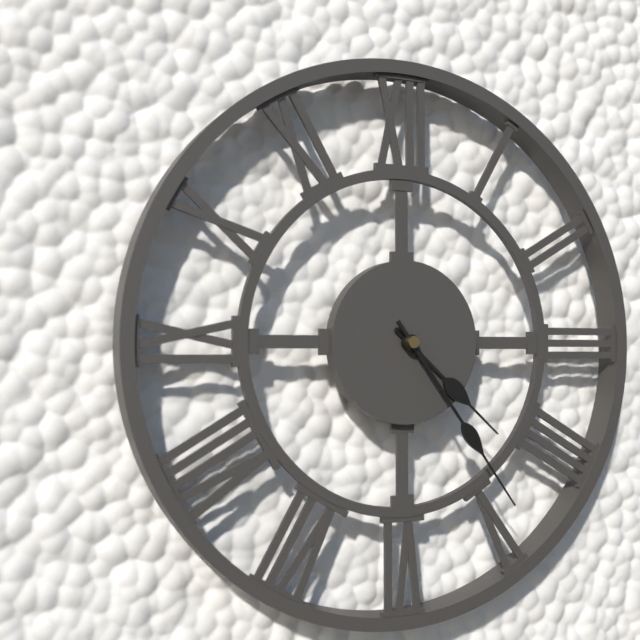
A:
4h24
